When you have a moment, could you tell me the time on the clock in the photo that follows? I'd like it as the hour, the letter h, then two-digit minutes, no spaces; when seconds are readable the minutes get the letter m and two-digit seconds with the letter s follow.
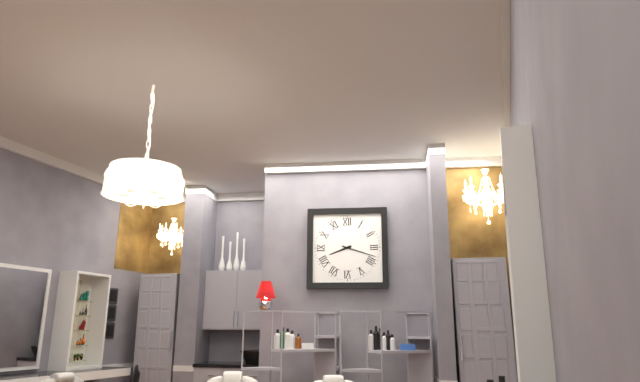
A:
8h18
